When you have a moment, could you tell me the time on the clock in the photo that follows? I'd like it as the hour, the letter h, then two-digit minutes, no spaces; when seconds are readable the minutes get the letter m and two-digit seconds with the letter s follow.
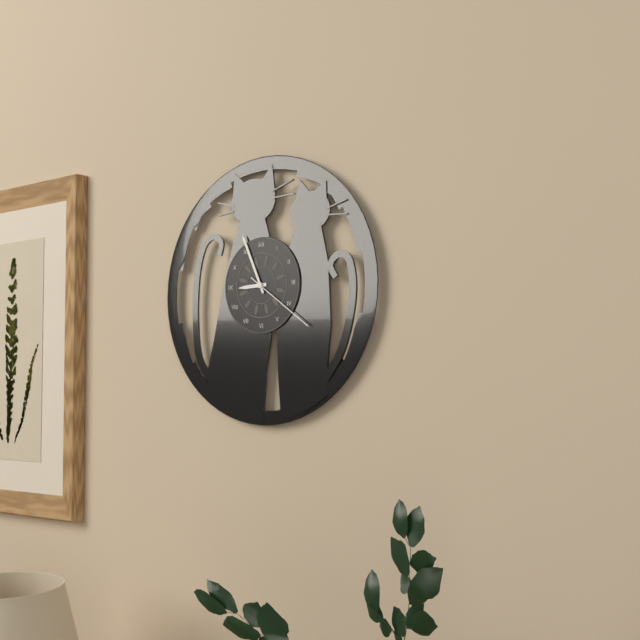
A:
8h56m21s
